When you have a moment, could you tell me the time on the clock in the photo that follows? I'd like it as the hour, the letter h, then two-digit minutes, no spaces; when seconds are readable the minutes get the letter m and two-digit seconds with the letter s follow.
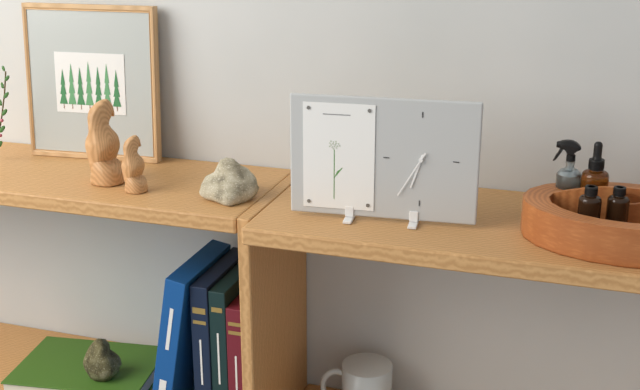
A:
6h35
